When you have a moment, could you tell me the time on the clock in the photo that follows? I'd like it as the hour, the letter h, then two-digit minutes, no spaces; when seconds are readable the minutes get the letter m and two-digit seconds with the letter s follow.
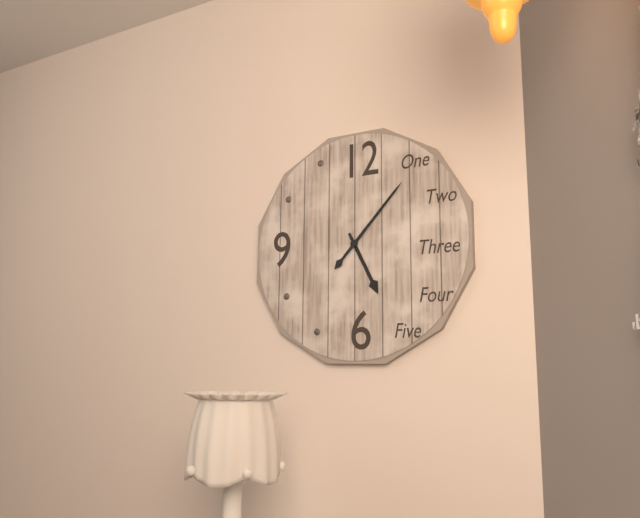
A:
5h07
